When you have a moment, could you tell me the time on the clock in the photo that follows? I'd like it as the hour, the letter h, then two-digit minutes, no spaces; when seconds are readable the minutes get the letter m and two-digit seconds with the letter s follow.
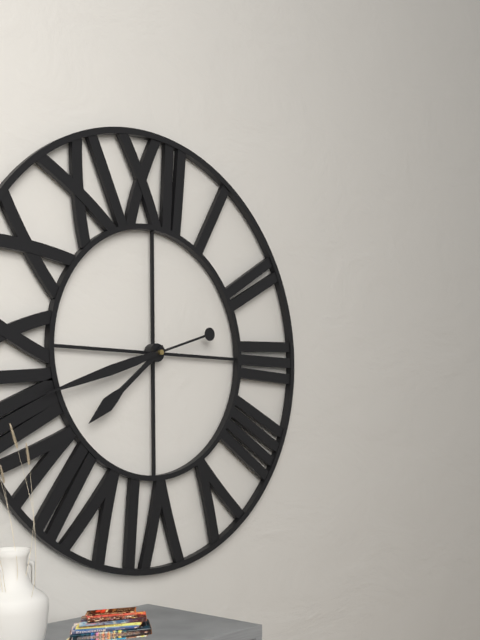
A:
7h42
